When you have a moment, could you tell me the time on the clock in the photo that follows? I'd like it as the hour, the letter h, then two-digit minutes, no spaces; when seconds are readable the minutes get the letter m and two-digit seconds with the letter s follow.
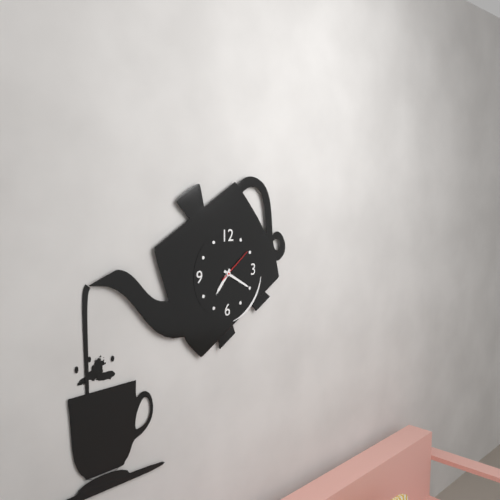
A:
7h20
